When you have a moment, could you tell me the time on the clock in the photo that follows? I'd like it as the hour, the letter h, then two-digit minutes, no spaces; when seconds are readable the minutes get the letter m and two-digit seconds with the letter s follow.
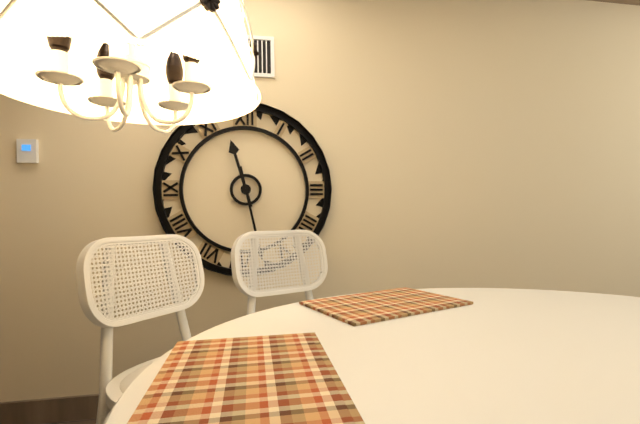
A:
11h28
